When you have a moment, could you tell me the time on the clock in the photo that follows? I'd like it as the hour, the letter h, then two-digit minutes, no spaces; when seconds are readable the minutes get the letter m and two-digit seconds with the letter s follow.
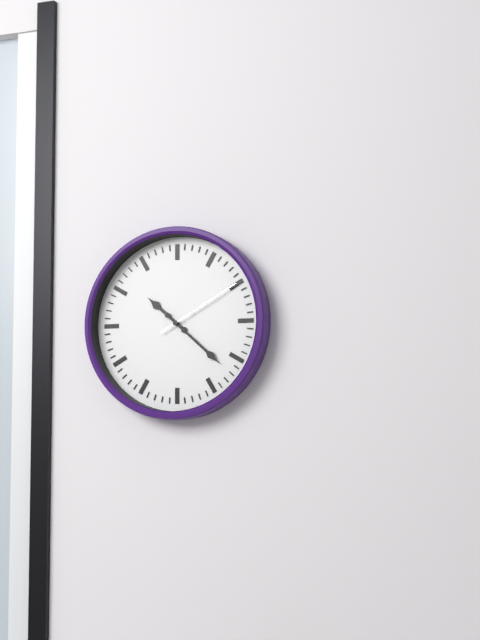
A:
10h22m10s
